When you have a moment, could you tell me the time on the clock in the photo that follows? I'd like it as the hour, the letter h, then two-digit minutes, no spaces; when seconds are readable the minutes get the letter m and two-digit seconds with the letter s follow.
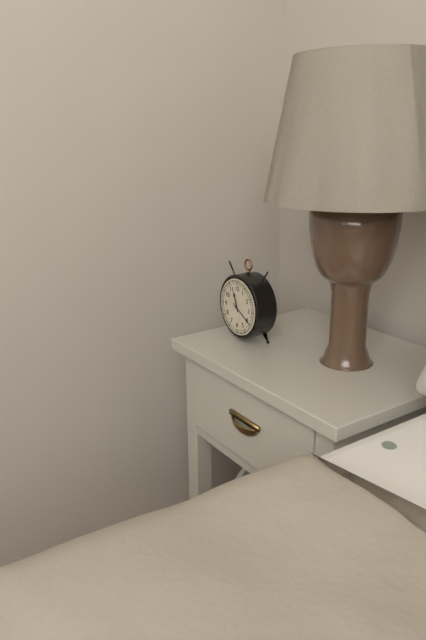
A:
11h20
